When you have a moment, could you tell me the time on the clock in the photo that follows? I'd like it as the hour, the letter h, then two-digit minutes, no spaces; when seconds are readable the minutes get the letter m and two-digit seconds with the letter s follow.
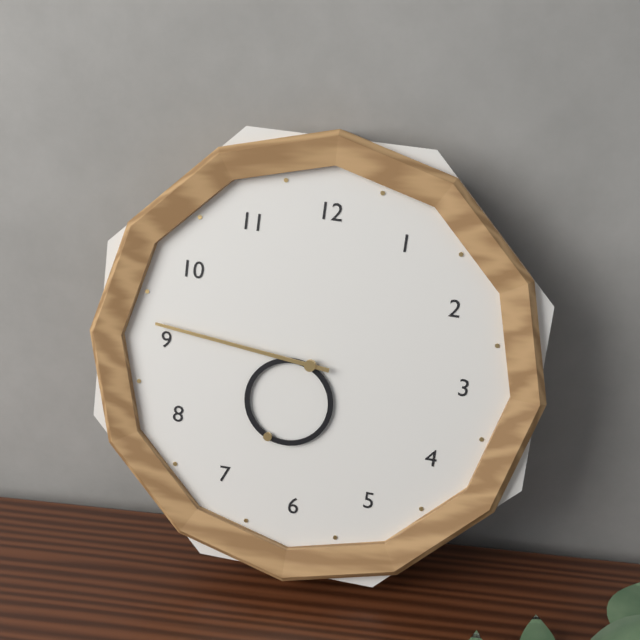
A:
6h46
